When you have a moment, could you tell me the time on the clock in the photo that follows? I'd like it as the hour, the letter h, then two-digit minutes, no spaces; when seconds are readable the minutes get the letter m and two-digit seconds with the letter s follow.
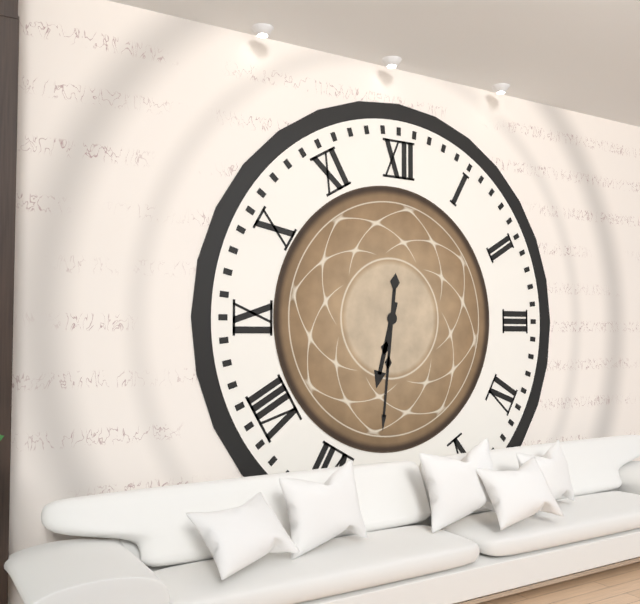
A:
6h31
